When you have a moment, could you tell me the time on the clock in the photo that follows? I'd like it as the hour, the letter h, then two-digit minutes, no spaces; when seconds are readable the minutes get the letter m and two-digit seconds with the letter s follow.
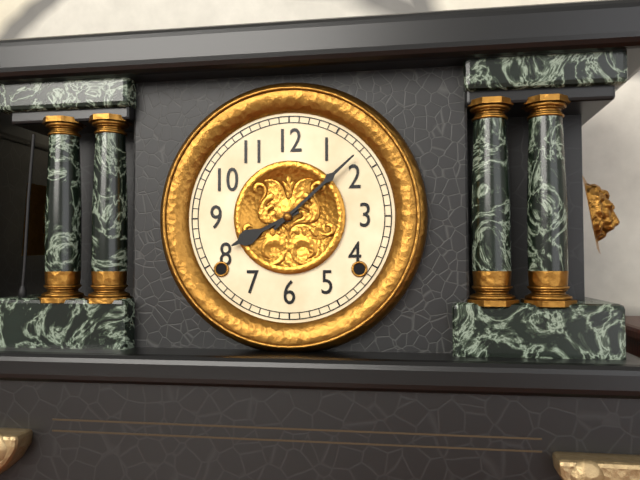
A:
8h08
